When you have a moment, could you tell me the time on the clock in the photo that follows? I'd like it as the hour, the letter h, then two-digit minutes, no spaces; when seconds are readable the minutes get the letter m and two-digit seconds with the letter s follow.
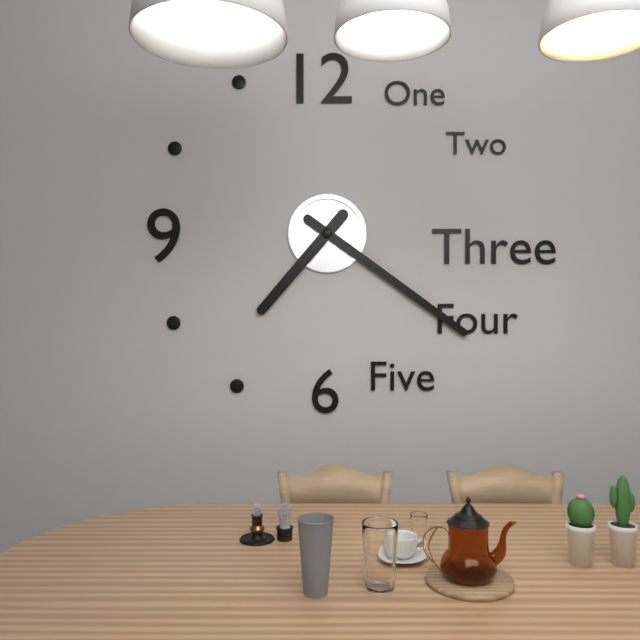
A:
7h21
